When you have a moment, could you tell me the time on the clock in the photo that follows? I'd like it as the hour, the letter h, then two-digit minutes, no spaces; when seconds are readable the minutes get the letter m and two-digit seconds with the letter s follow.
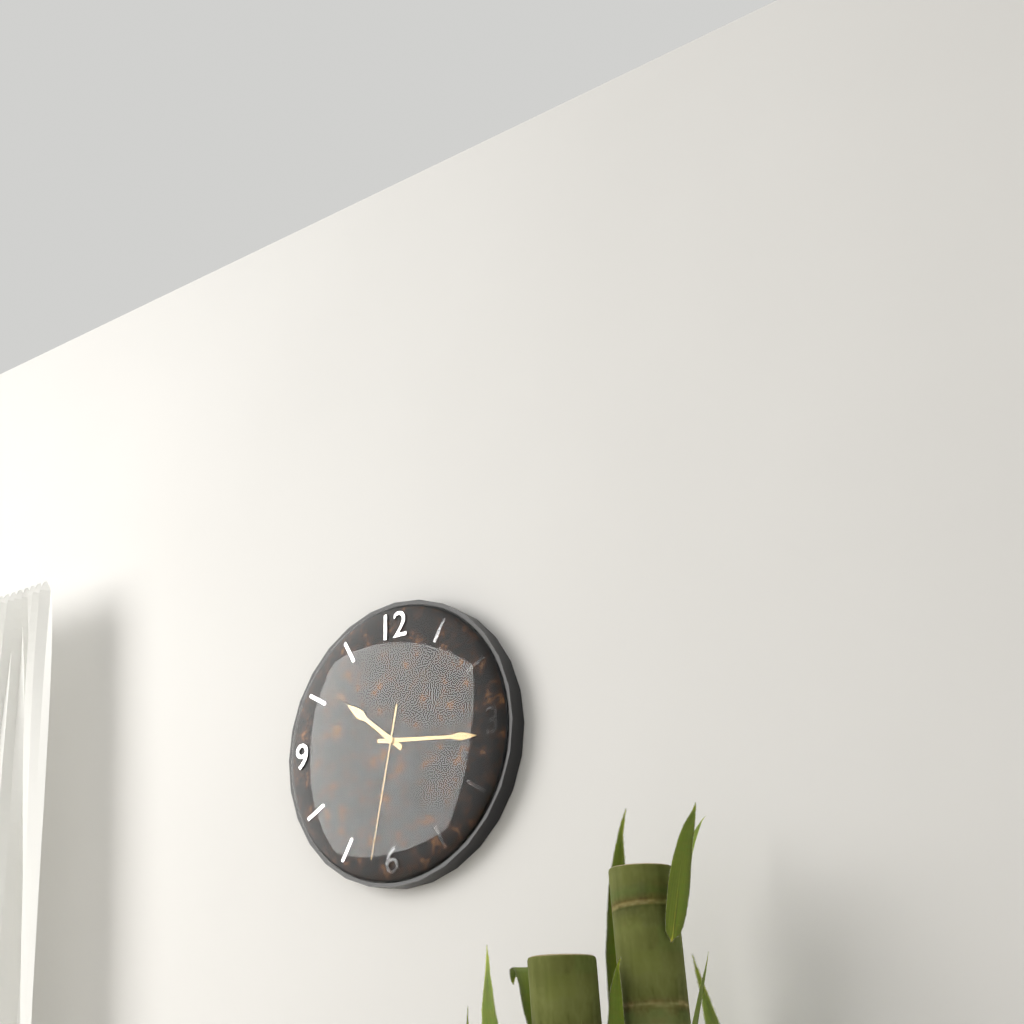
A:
10h16m32s
